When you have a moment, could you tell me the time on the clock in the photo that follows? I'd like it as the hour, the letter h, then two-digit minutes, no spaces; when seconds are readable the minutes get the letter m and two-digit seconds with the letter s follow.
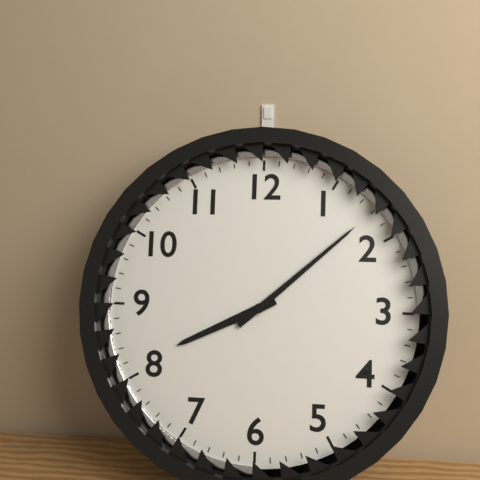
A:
8h08
